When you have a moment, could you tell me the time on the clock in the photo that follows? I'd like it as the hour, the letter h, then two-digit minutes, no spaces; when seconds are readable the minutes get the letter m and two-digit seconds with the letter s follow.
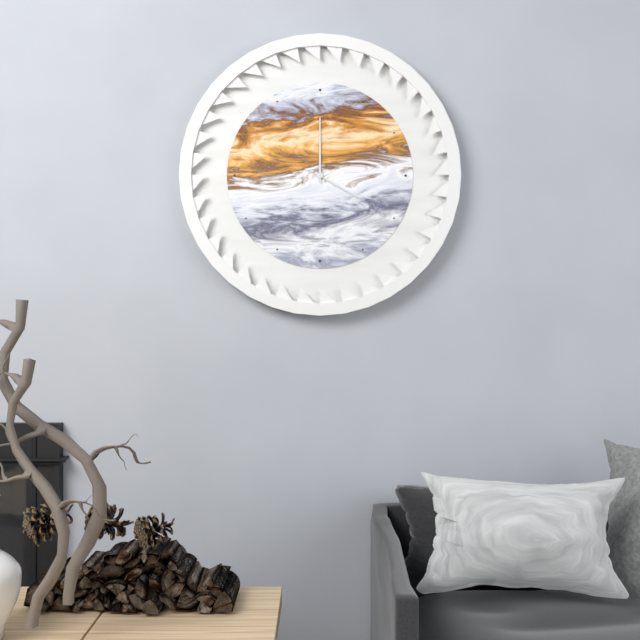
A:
4h00
